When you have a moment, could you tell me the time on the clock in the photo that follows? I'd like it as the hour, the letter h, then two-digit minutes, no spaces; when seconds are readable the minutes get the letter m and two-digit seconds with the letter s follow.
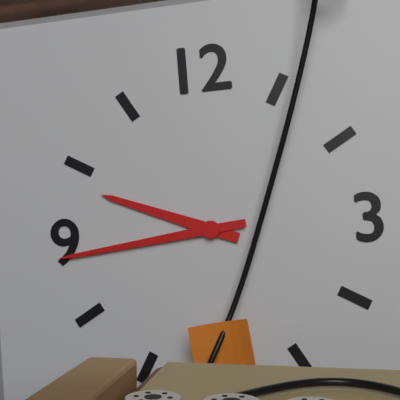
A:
9h44
